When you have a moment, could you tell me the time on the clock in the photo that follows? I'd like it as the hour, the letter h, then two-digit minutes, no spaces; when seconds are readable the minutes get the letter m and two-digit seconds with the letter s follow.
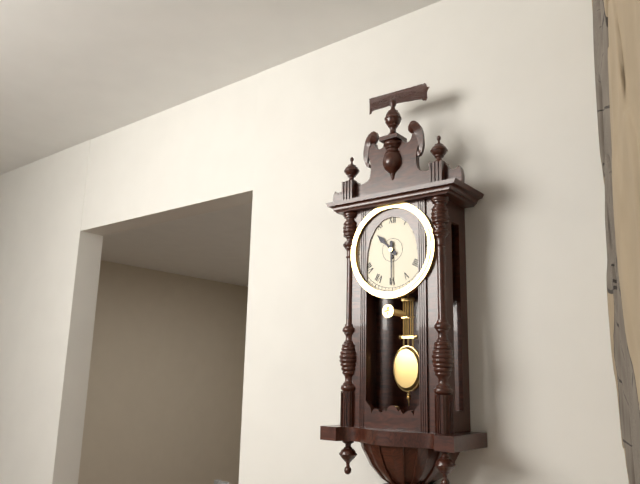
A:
10h30
